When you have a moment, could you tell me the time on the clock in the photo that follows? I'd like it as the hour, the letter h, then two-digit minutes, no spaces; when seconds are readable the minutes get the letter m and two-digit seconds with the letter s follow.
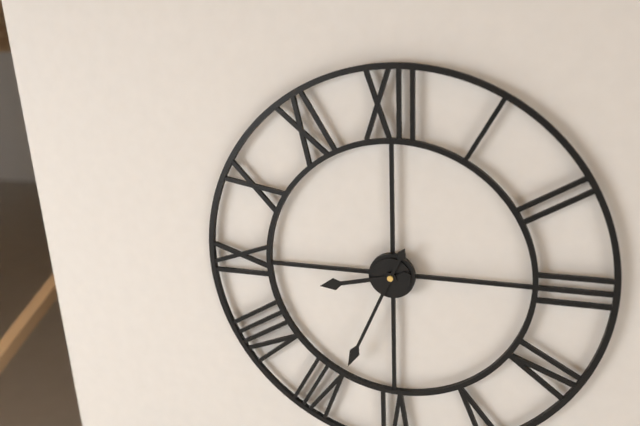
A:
8h34
